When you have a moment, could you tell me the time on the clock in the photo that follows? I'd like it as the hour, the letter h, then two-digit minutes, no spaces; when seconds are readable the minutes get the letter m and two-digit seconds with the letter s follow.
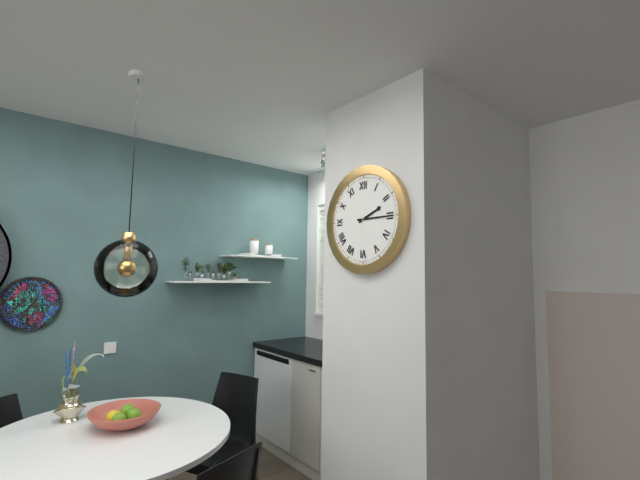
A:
2h15
